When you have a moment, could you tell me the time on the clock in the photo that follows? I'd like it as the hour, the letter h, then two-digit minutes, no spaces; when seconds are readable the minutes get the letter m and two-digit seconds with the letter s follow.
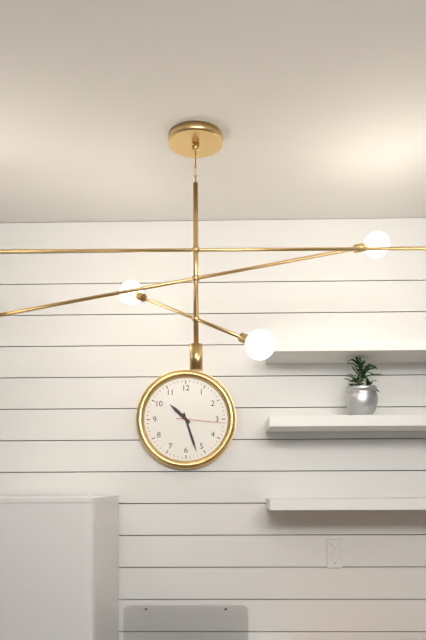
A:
10h27
